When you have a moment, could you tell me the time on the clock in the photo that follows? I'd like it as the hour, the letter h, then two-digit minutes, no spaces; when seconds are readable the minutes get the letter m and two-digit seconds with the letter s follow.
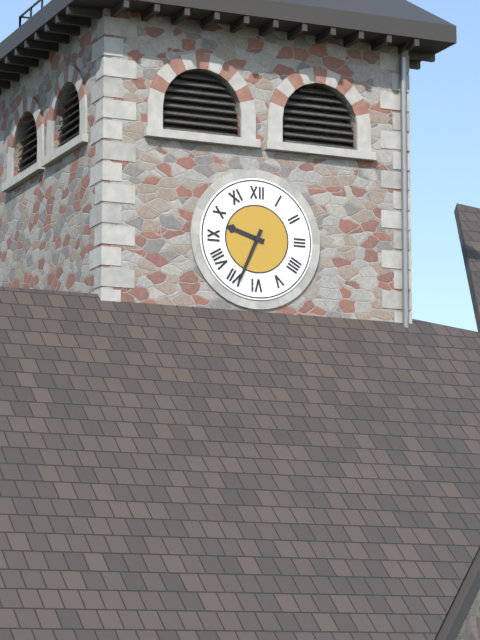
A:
9h34
